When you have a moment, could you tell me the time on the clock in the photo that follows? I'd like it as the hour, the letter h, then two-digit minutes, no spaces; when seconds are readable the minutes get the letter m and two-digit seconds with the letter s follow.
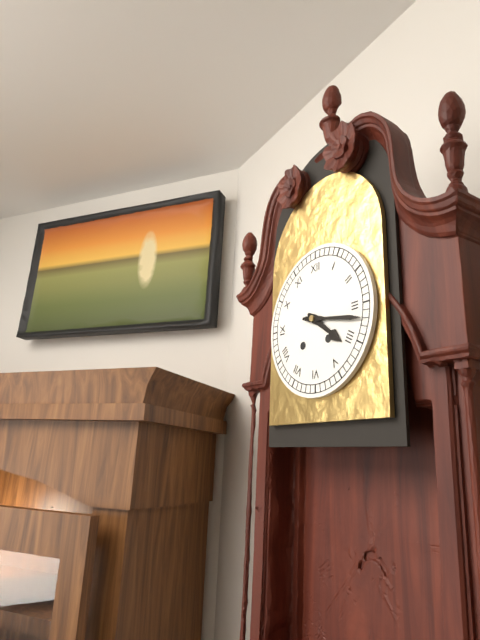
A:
4h17
